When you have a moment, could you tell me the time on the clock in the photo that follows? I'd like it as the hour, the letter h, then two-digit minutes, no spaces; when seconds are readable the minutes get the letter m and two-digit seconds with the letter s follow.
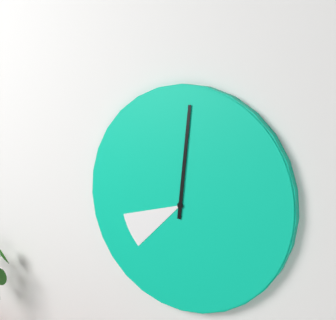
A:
8h01
